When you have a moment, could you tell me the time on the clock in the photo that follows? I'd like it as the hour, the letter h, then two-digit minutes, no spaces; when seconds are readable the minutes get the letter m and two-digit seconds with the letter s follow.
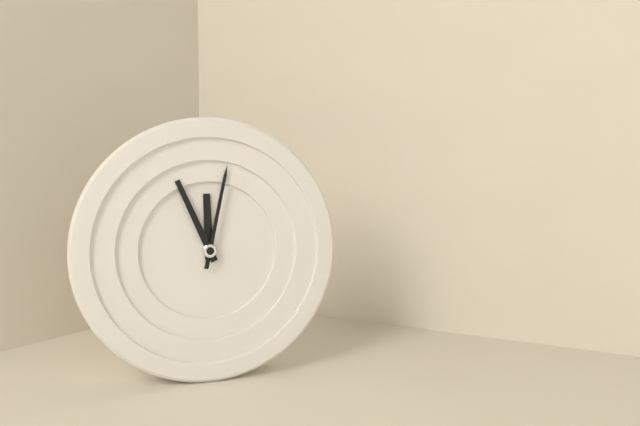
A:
11h56m02s
